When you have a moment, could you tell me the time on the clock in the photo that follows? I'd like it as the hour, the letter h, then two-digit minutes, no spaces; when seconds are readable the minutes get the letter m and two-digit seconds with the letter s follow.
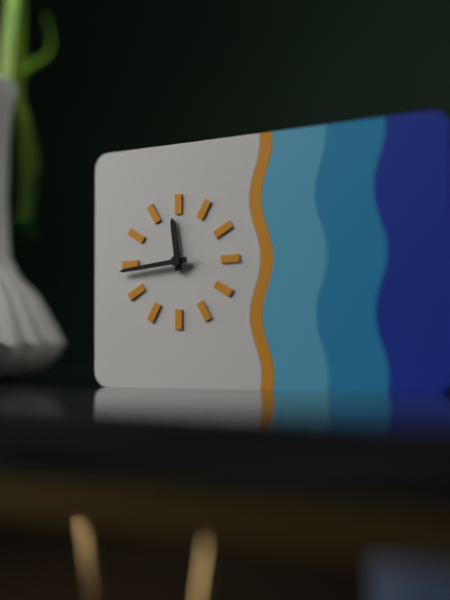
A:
11h44
